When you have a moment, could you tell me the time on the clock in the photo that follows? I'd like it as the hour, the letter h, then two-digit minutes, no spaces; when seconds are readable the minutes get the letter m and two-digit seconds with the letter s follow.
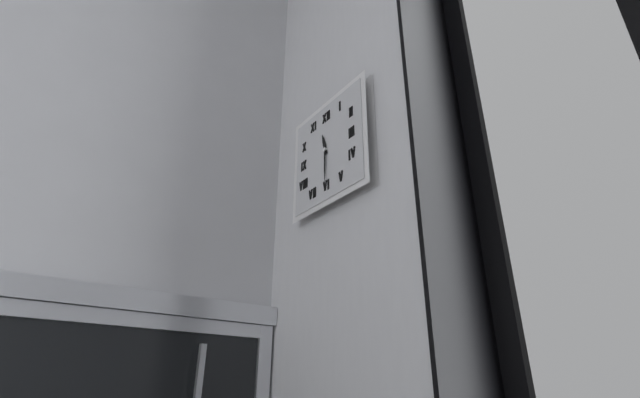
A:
11h30
